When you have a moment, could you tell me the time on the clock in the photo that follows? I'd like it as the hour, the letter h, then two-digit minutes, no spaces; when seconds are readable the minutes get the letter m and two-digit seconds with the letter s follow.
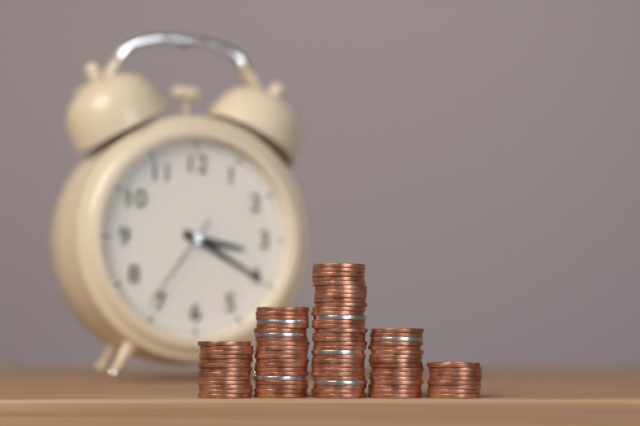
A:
3h20m36s
